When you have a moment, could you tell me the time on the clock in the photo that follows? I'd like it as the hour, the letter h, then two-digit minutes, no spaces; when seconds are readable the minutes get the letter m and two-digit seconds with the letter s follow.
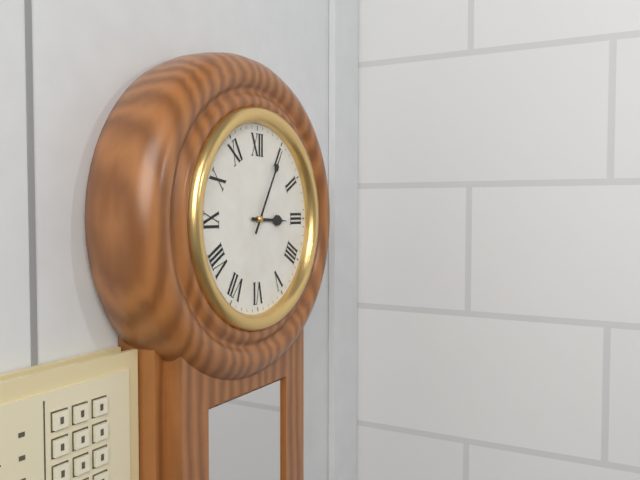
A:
3h05
